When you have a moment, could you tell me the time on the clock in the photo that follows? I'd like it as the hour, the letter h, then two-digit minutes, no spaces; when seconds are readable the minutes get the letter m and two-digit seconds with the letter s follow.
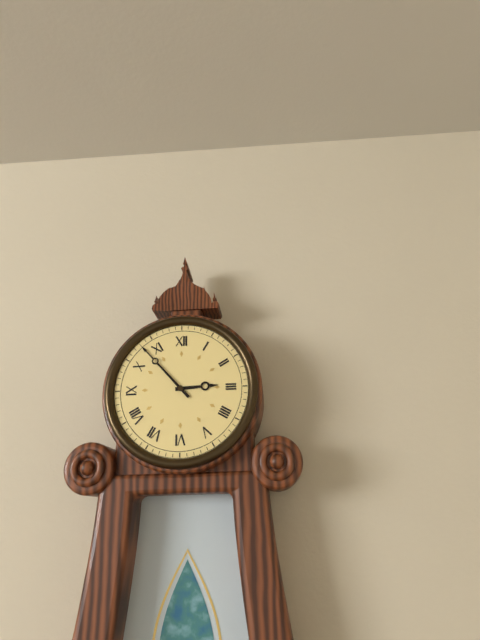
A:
2h53
